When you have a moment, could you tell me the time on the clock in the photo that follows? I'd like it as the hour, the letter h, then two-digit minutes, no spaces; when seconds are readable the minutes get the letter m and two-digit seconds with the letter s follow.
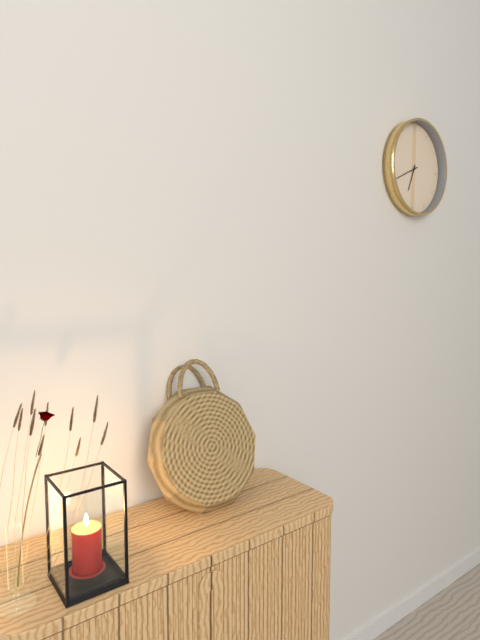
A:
6h41
